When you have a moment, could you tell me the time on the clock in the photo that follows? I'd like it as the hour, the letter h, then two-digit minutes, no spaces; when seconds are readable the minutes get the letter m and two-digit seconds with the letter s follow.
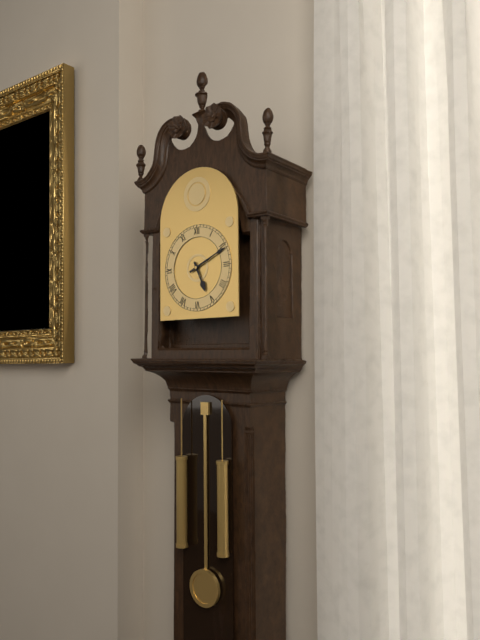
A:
5h11
